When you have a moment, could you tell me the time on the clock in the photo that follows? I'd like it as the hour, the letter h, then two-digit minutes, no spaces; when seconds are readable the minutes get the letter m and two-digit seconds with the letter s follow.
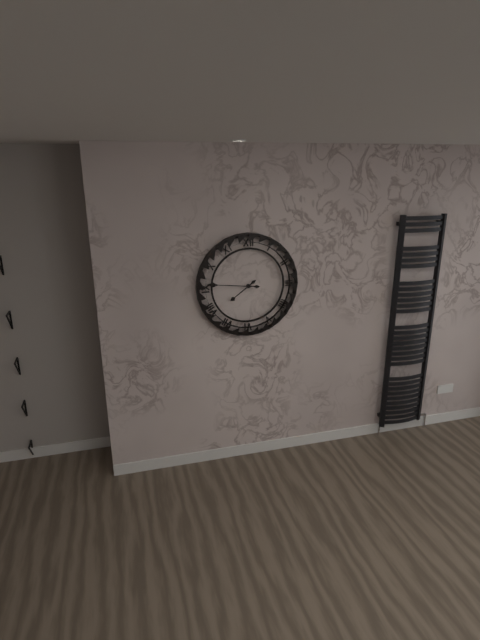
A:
7h46
